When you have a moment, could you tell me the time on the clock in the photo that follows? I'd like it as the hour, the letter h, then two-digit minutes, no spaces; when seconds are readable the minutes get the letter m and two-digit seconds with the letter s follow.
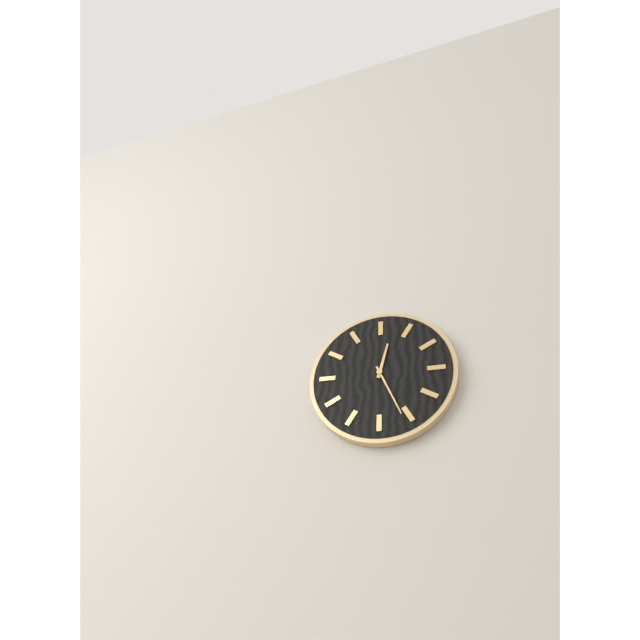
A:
12h26
